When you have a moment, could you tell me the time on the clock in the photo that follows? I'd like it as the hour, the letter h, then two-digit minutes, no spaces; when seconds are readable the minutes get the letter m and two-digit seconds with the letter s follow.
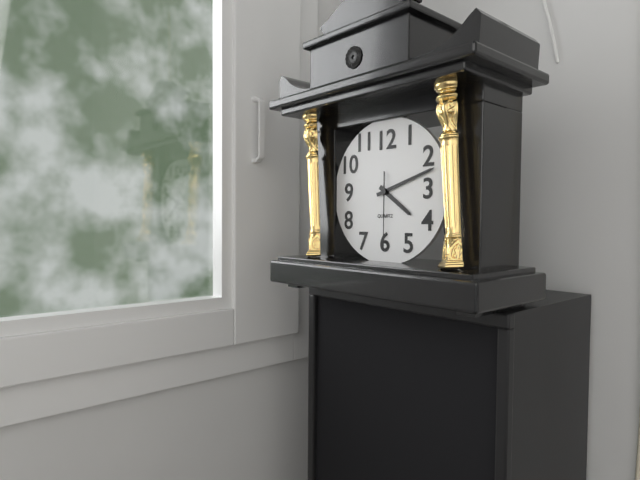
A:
4h12m30s
